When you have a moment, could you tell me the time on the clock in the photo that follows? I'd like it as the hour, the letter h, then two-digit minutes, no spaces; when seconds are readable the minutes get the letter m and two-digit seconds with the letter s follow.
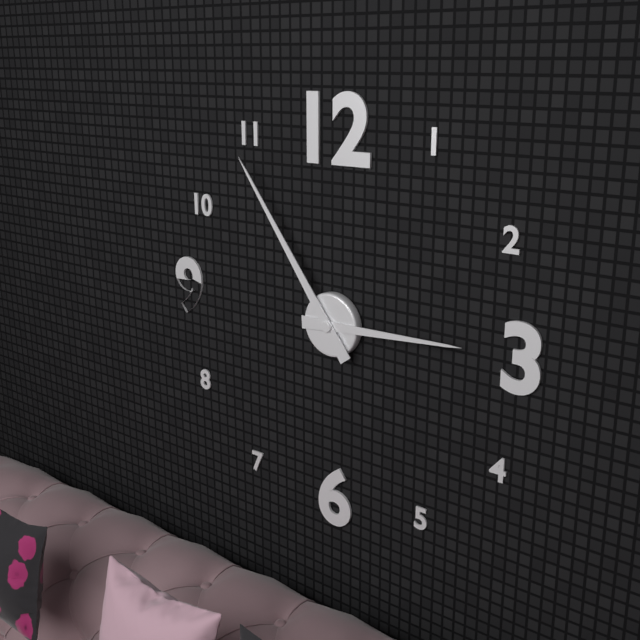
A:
2h54
